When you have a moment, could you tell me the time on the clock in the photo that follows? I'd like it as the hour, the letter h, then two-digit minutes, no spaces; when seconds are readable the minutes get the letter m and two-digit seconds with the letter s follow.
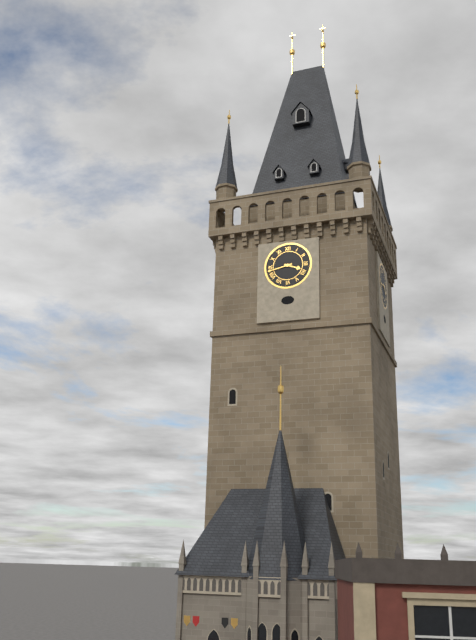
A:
3h43
